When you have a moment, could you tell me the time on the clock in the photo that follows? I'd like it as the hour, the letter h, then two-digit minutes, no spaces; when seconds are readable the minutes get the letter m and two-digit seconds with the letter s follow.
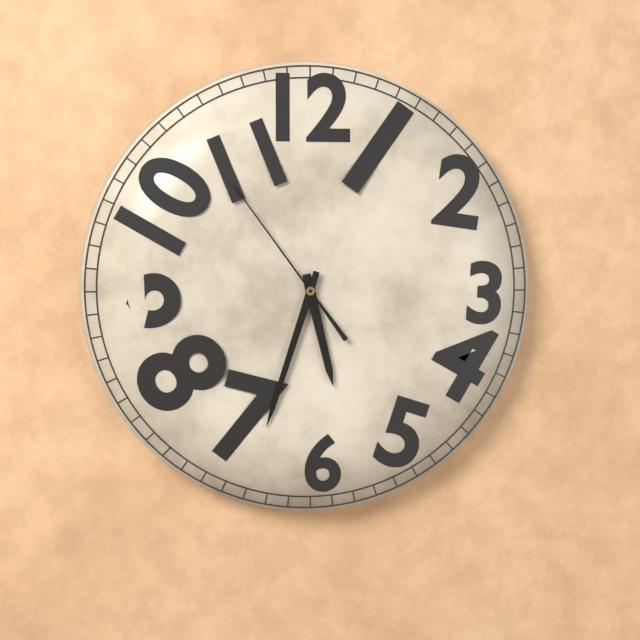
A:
5h33m54s
